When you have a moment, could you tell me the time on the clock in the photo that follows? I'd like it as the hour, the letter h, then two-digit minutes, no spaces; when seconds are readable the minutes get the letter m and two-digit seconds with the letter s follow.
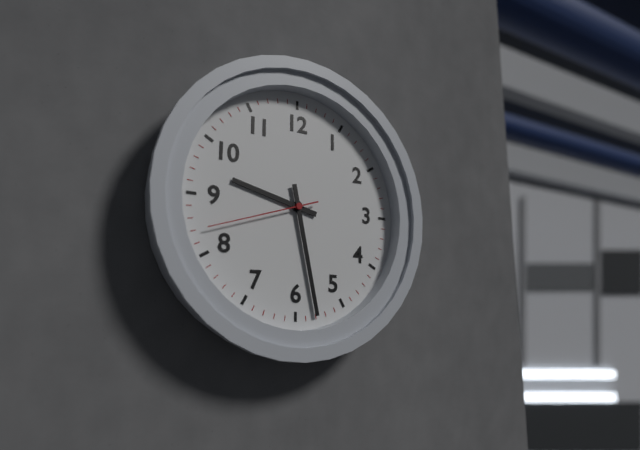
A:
9h28m42s
